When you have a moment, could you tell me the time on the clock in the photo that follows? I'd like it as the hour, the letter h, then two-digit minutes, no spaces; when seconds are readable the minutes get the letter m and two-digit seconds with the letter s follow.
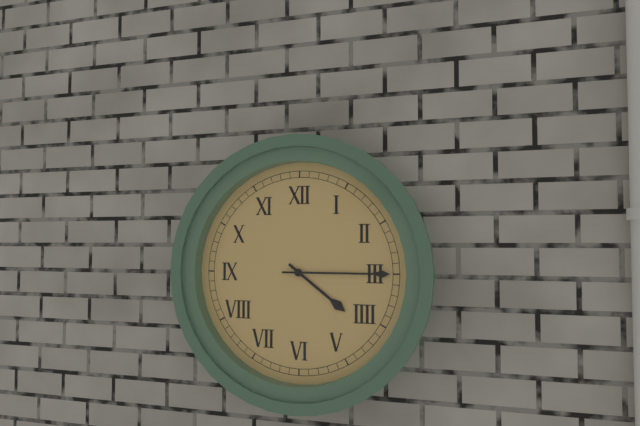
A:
4h15
